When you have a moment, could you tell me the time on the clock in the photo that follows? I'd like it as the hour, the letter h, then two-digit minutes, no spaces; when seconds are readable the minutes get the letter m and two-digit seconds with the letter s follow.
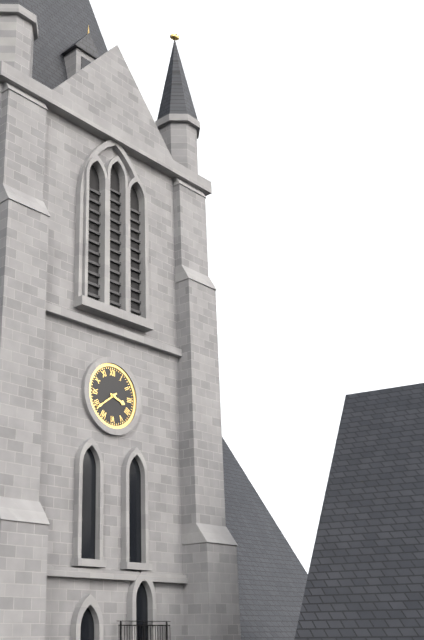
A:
3h39
